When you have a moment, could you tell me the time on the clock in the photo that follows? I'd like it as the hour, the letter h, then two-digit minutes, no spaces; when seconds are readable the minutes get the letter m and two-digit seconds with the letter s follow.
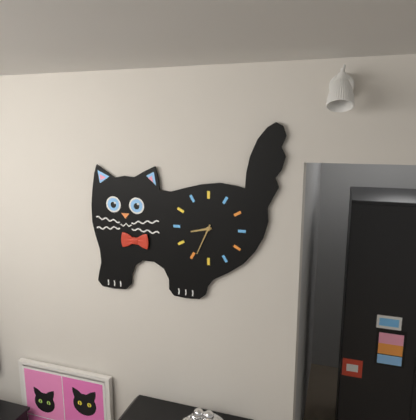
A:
8h34
